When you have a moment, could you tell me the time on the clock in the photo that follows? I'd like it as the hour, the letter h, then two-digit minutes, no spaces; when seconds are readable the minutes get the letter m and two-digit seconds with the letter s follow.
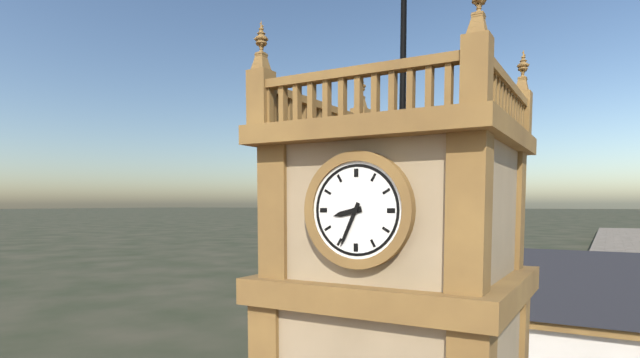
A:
8h34
